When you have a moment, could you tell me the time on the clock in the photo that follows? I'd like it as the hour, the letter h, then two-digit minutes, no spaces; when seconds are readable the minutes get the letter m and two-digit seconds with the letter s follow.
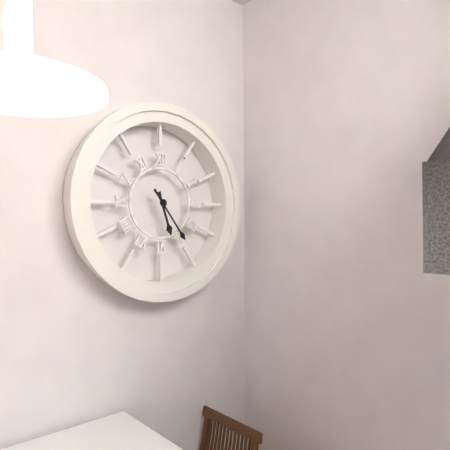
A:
5h24
